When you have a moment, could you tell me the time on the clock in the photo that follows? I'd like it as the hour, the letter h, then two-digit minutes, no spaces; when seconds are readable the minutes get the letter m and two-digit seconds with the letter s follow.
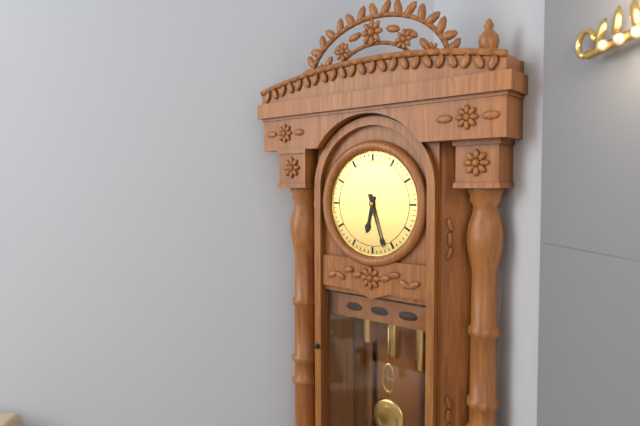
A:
6h27
